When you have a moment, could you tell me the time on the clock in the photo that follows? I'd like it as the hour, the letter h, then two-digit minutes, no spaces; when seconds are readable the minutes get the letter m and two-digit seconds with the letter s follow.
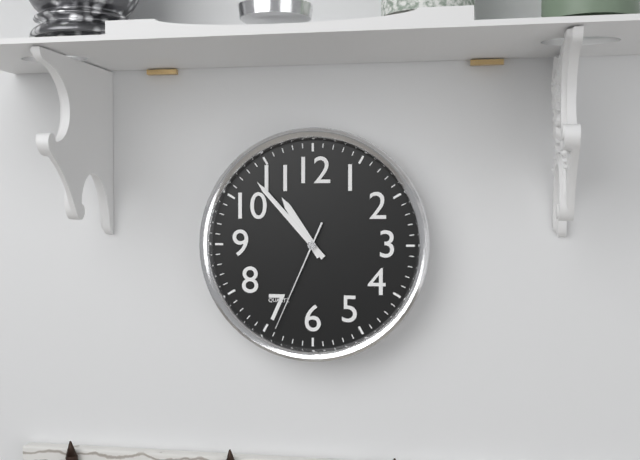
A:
10h53m34s
